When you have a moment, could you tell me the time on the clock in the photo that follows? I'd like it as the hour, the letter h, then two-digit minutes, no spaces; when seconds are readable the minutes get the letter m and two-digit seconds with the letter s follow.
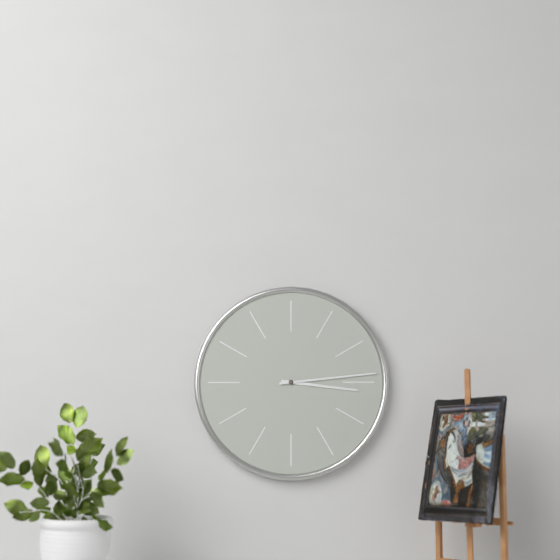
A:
3h14
